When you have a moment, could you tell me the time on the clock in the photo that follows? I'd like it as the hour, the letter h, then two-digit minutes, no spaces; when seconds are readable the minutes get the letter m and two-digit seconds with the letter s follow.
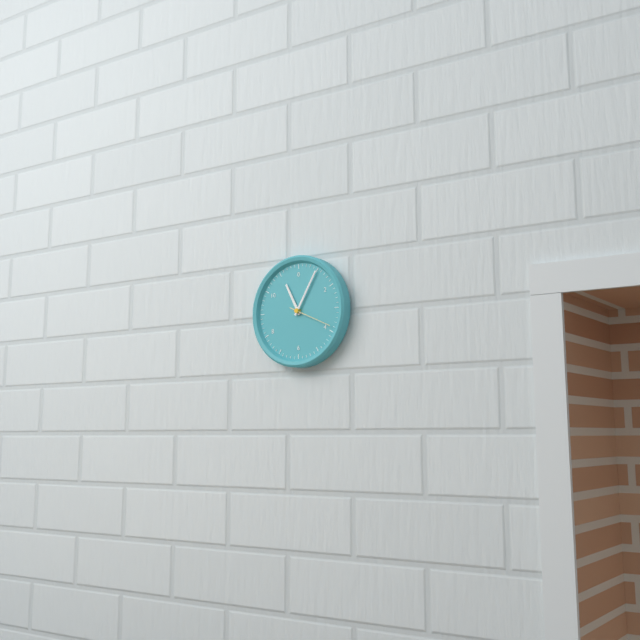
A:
11h05
